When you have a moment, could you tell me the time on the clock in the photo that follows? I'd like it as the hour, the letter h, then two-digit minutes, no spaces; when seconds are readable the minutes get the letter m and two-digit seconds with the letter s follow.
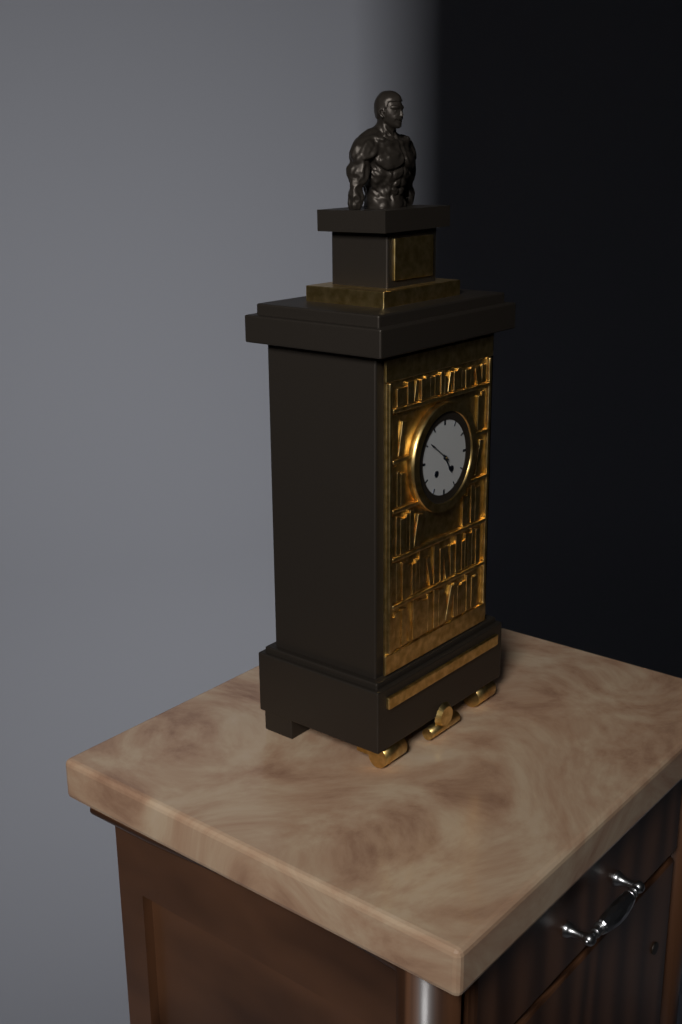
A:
4h51
